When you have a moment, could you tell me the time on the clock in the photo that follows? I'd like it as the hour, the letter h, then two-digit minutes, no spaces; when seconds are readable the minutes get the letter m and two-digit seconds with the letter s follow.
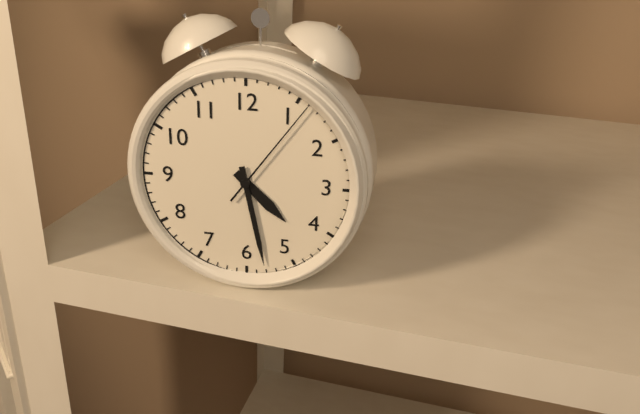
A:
4h28m06s
